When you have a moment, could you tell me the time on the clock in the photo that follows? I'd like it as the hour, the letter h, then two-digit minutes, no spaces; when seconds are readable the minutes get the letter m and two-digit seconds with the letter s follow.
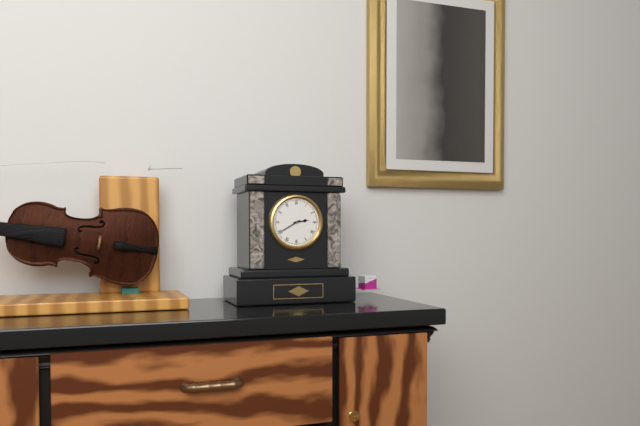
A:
2h40
